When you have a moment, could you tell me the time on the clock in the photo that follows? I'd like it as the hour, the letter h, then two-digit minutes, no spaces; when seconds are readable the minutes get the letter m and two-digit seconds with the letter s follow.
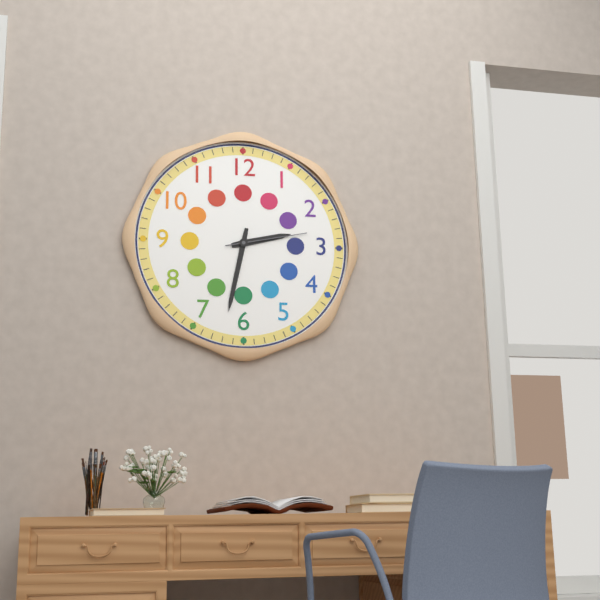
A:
2h32m13s
